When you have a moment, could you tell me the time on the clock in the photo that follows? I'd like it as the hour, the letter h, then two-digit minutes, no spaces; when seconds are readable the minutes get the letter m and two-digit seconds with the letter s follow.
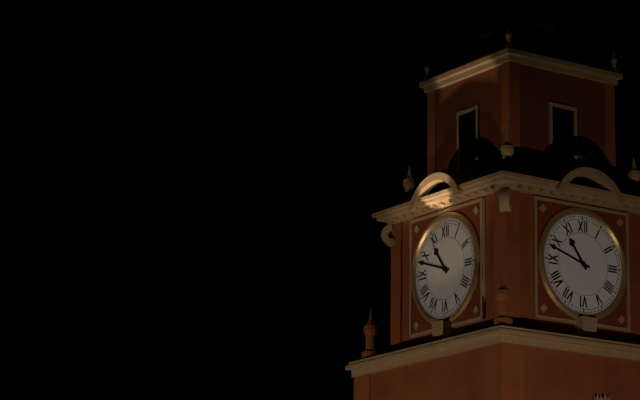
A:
10h48
